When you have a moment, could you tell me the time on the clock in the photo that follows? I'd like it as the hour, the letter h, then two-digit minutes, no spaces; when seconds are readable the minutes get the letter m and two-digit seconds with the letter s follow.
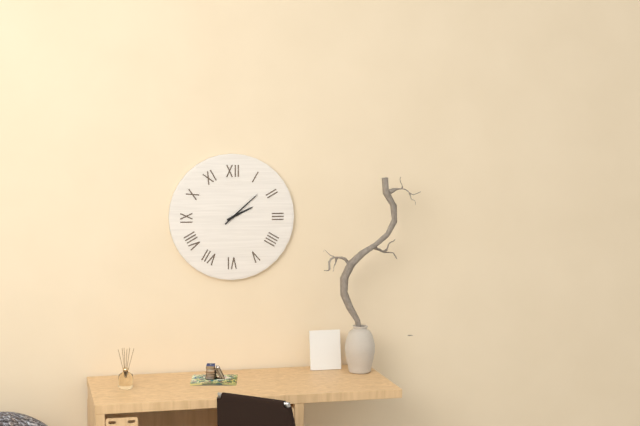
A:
2h08
